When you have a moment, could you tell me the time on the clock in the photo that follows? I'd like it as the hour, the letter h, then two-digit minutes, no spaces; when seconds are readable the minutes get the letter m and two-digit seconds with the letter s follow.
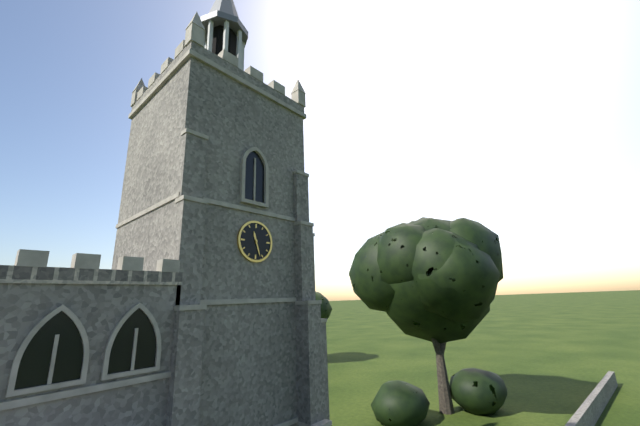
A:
11h27
